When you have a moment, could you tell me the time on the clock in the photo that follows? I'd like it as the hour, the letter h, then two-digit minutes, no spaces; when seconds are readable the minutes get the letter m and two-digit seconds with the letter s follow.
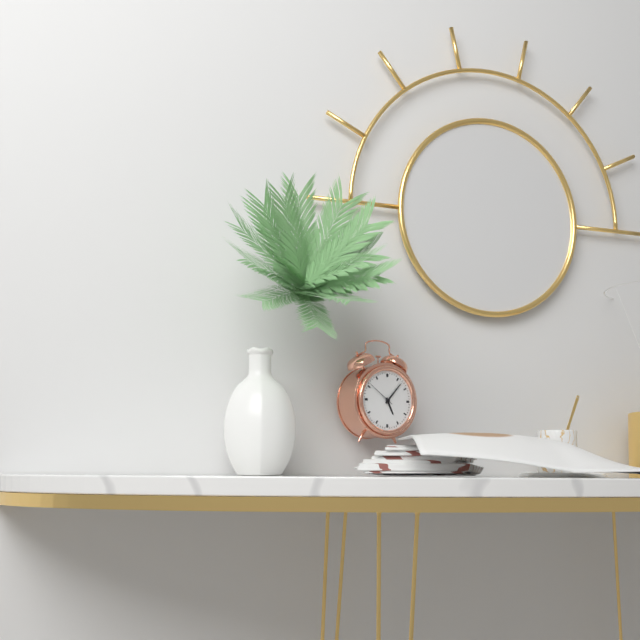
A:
5h07
